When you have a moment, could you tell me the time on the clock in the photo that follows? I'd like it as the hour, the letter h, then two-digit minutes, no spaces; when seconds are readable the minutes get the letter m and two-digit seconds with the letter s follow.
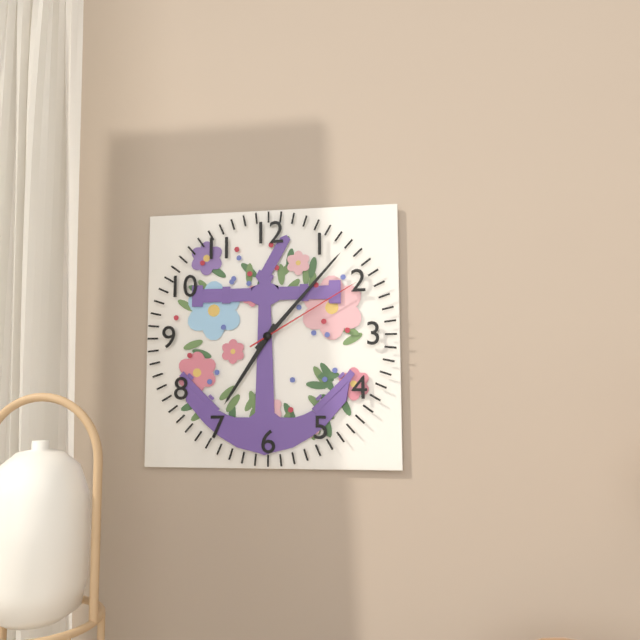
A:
7h07m10s
